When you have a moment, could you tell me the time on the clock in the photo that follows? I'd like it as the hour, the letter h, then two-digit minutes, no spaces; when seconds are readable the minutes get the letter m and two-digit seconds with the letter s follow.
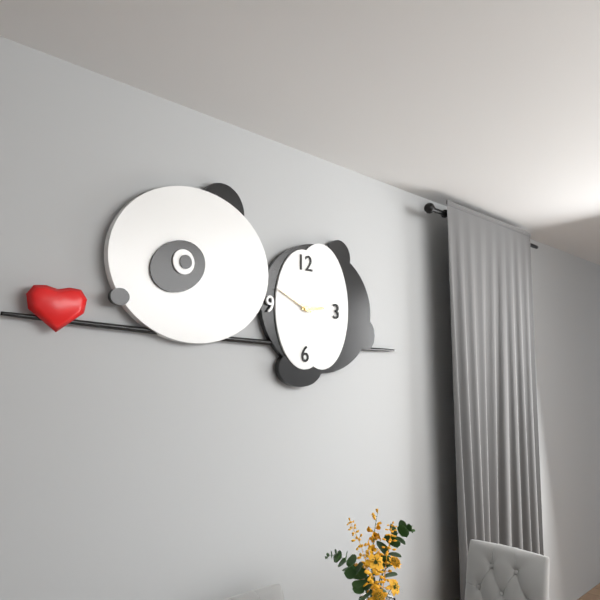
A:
2h49
